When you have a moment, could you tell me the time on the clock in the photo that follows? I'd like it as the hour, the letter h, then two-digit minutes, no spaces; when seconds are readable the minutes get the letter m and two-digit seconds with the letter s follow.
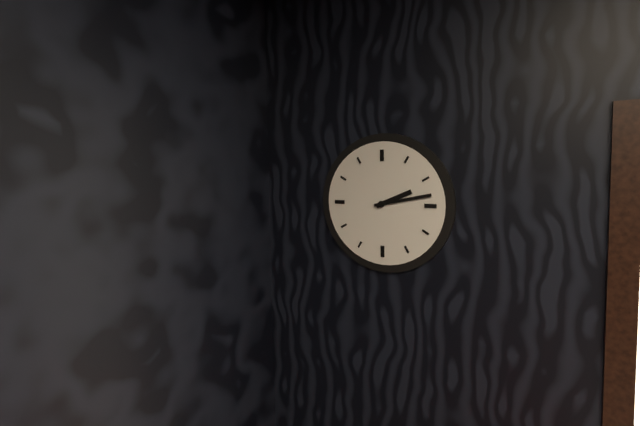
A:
2h13
